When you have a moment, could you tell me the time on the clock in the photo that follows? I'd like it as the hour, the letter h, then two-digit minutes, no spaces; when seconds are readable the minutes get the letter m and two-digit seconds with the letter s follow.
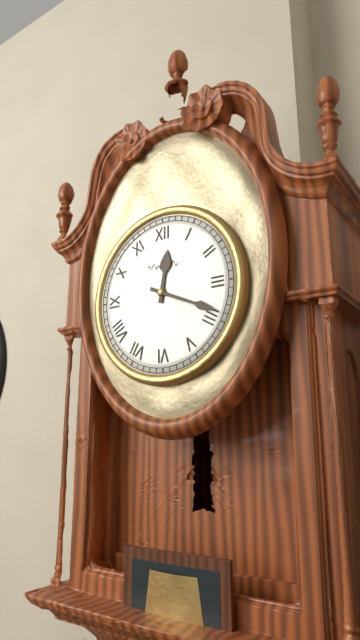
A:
12h19
